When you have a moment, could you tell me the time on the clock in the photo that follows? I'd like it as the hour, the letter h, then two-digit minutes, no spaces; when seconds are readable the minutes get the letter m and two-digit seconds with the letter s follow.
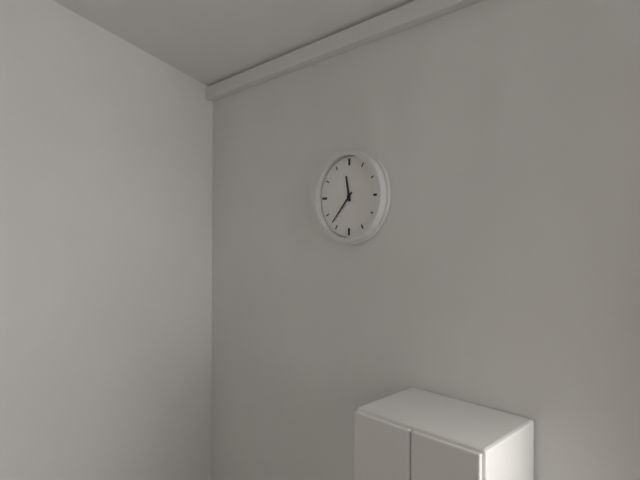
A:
11h37
